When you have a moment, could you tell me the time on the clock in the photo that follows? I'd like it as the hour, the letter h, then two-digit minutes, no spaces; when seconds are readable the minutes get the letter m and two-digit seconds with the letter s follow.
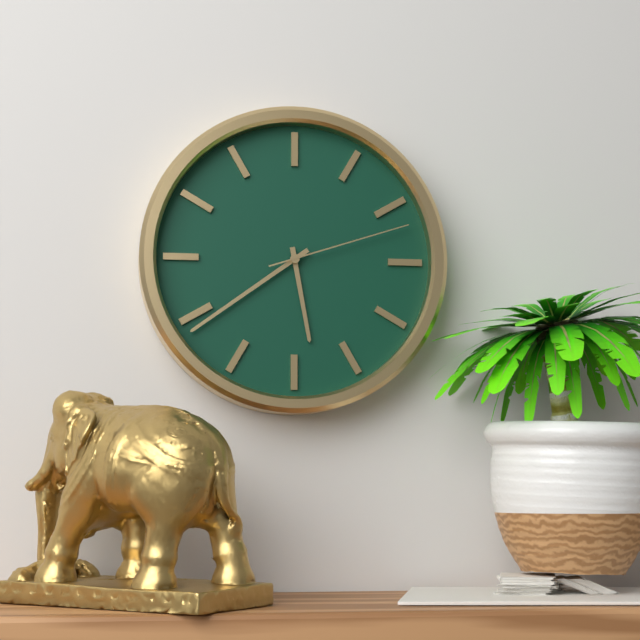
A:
5h39m12s
